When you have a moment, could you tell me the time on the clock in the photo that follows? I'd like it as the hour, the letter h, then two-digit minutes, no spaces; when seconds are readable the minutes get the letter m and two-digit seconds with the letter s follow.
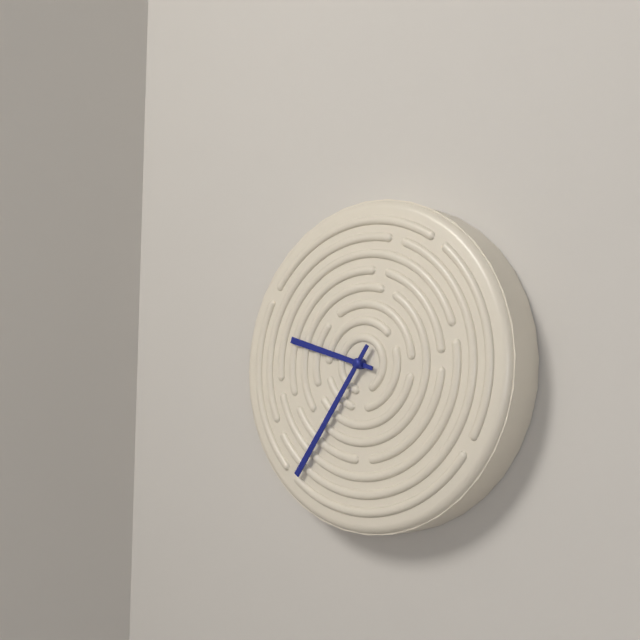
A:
9h36
